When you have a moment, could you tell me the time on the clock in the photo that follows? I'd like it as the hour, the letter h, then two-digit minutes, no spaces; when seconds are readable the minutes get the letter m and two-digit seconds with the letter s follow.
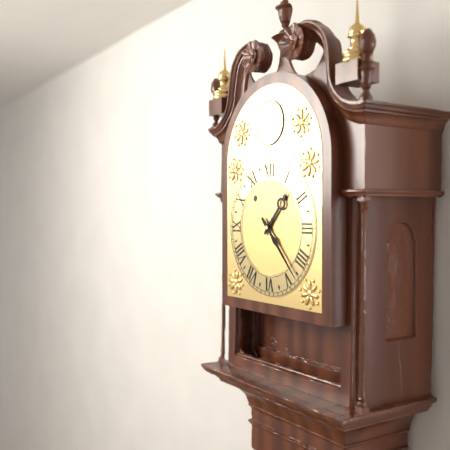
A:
1h23
